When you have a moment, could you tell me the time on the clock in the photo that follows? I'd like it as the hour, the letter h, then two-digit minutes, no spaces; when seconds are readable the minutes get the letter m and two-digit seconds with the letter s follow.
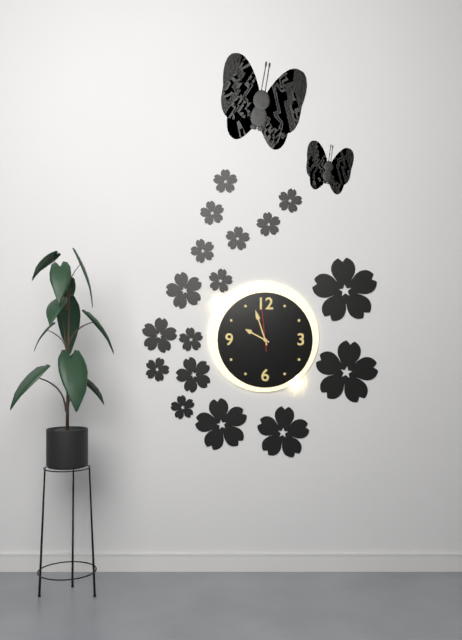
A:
9h57
